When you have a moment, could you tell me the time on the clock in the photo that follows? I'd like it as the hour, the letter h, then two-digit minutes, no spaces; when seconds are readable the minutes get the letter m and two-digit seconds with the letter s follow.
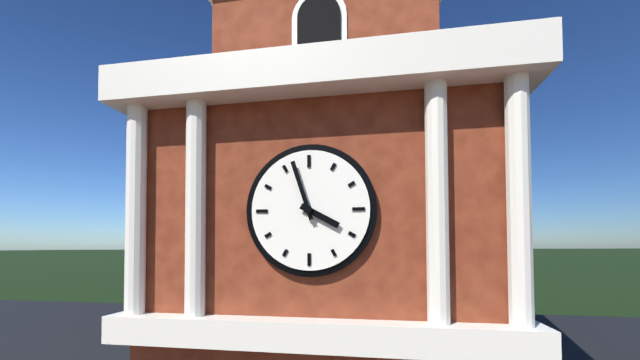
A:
3h57
